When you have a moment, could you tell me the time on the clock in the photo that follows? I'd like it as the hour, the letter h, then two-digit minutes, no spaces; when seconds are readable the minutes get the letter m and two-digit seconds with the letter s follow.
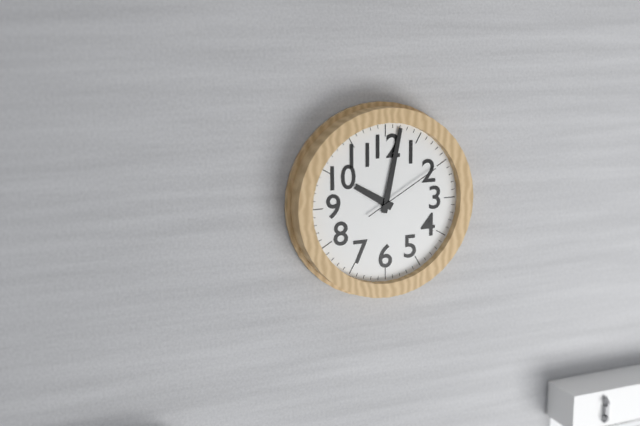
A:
10h02m10s
